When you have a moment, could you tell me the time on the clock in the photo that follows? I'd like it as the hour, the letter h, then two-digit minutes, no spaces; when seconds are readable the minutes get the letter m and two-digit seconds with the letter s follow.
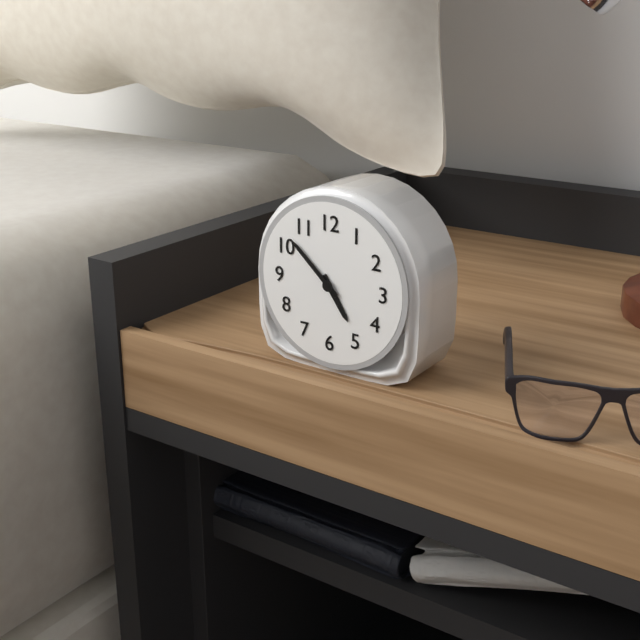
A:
4h52
